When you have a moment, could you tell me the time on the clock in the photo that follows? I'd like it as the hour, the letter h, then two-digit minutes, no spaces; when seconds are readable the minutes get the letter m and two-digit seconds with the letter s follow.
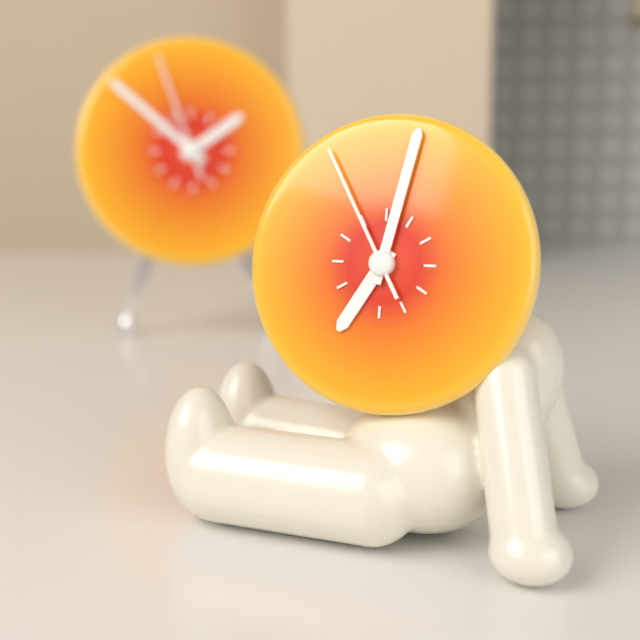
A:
7h02m55s
